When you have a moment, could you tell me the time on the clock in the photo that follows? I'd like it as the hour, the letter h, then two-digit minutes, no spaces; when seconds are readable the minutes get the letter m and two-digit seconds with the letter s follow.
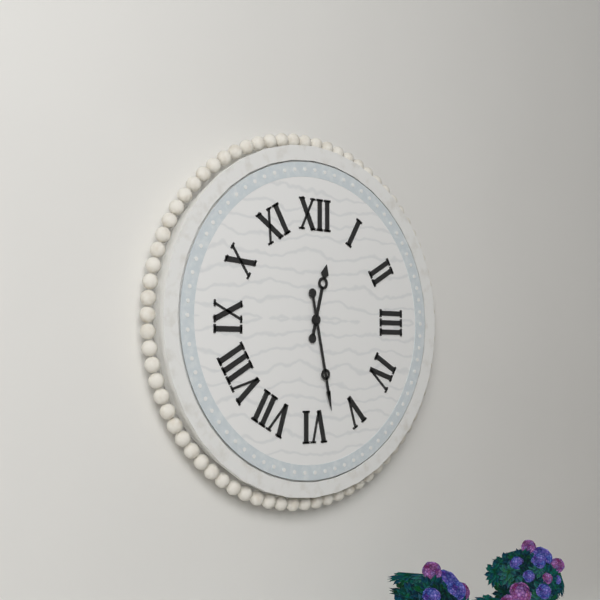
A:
12h28
